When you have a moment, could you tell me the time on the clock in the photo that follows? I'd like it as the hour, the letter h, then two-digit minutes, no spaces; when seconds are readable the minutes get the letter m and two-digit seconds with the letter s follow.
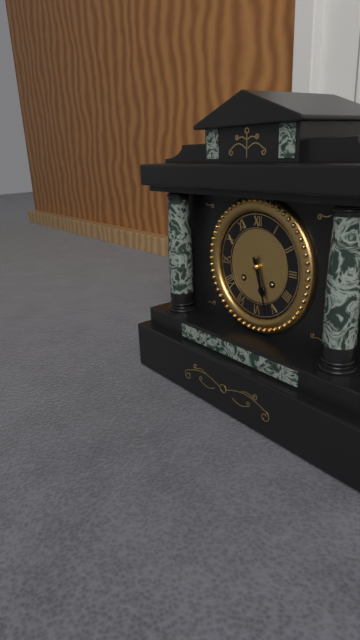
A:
5h27
